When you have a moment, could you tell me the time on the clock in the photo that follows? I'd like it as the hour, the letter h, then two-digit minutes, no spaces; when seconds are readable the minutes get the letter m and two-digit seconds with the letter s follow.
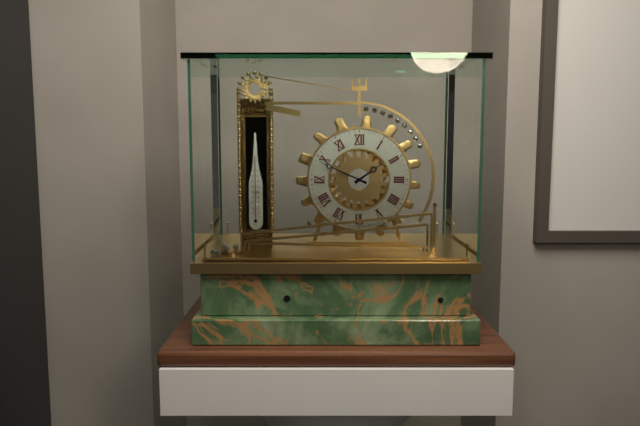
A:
1h49
